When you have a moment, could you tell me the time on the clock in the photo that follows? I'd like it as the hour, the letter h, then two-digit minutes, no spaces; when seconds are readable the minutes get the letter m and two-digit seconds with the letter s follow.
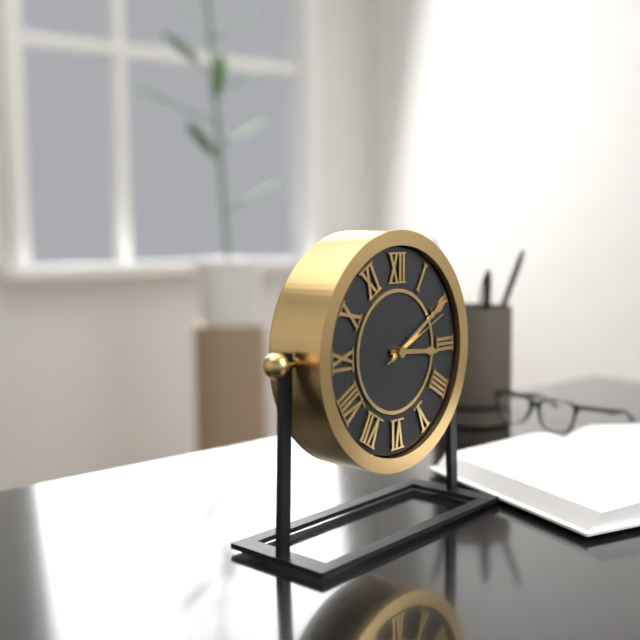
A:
3h10m11s
